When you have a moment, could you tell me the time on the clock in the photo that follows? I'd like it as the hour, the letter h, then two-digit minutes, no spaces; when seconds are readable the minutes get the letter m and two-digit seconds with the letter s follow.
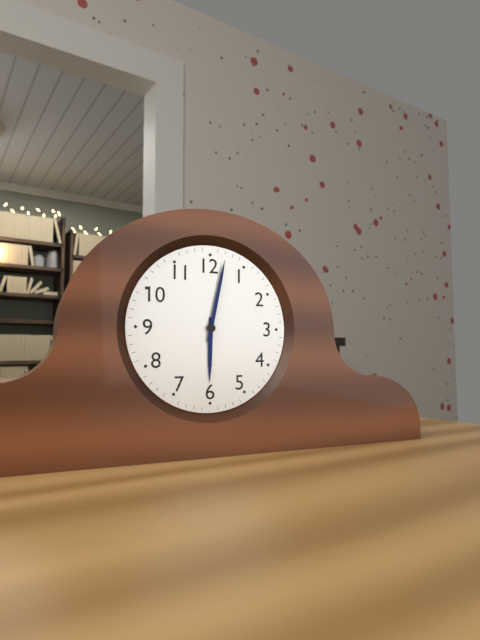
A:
6h02
